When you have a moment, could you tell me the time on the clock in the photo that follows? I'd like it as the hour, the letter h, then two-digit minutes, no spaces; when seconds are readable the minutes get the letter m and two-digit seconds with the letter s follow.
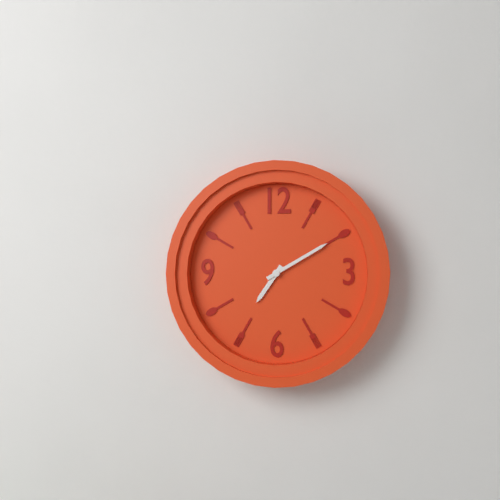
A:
7h10
